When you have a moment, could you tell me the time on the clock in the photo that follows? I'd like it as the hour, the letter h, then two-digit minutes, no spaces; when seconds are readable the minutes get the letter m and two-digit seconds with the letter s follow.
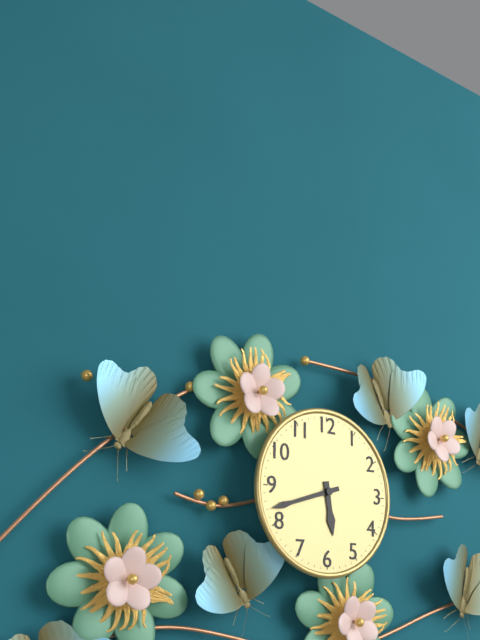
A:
5h42
